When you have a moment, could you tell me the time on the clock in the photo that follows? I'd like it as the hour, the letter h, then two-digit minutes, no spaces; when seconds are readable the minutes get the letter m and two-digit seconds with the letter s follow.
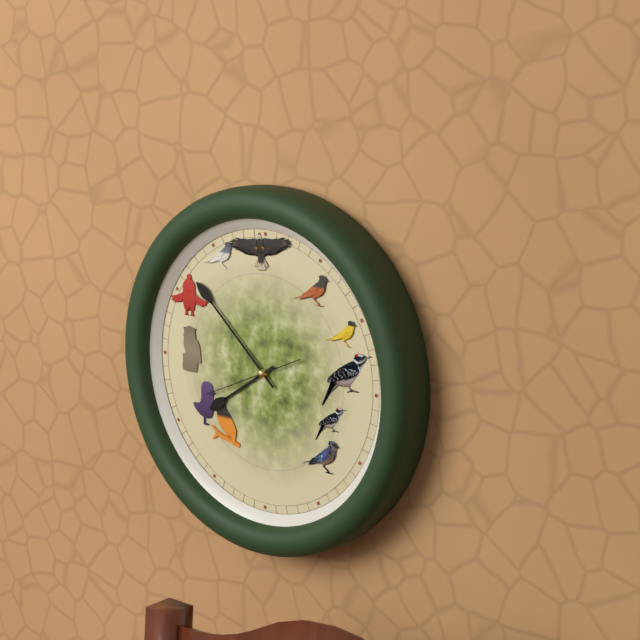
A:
7h52m41s
